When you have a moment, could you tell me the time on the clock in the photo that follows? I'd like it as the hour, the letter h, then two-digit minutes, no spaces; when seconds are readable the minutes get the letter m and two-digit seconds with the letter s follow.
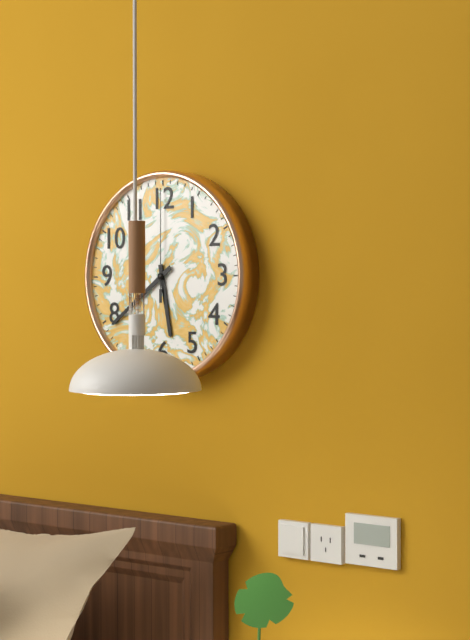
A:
5h39m00s
